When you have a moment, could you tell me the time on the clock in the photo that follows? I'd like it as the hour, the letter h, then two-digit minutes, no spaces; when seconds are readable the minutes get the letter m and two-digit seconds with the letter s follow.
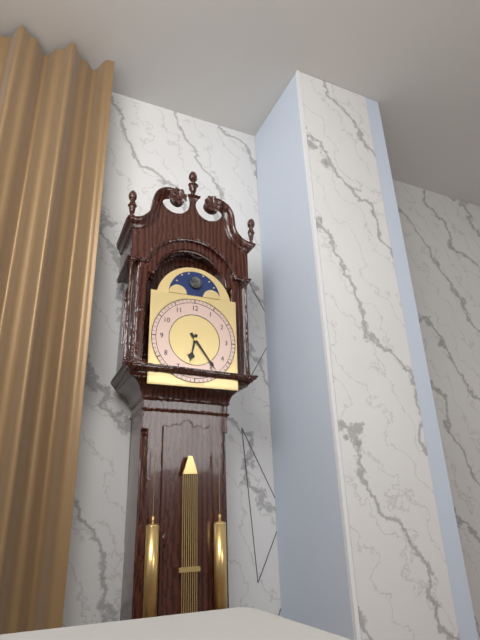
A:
6h24
